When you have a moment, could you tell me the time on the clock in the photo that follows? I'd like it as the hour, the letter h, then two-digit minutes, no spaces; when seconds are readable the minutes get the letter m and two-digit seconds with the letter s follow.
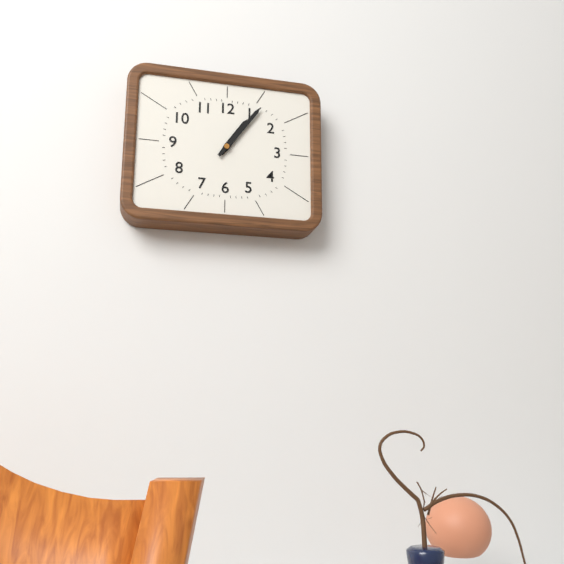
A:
1h06
